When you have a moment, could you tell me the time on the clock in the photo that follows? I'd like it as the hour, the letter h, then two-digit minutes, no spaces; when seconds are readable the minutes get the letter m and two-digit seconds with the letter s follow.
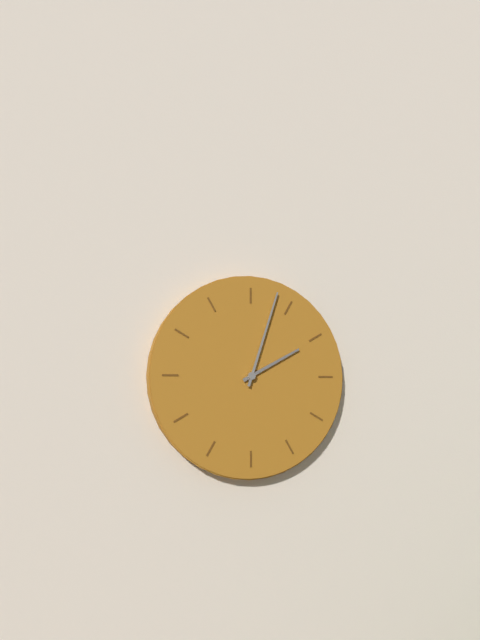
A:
2h03
